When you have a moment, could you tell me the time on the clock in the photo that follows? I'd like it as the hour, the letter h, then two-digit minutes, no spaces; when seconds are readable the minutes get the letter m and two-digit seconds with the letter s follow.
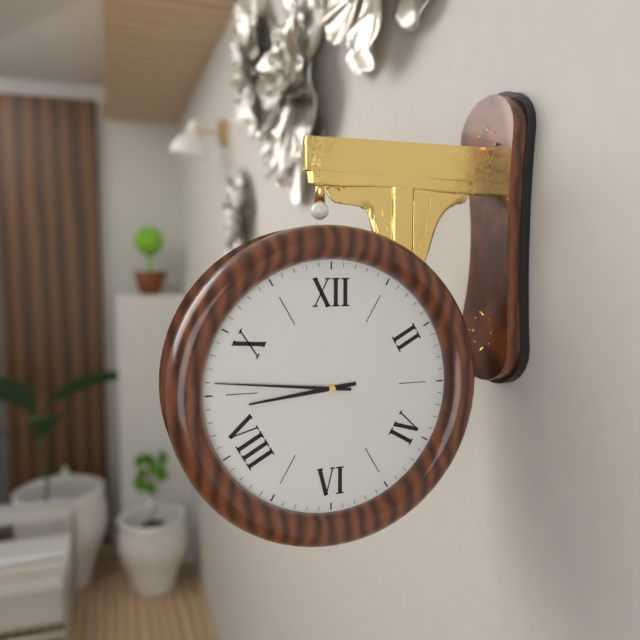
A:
8h46
